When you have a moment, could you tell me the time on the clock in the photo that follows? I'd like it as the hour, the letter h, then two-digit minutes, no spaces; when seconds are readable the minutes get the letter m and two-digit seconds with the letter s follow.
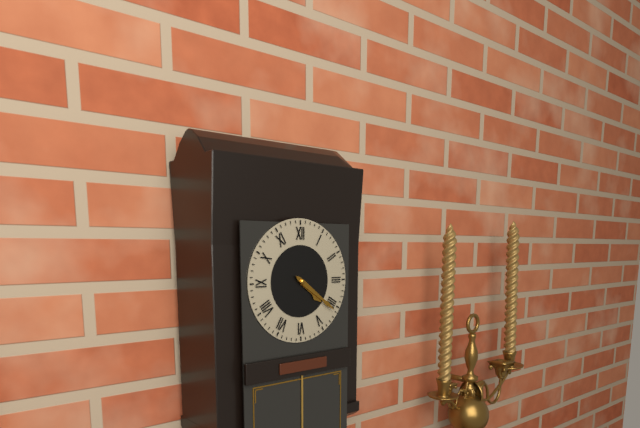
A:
4h21
